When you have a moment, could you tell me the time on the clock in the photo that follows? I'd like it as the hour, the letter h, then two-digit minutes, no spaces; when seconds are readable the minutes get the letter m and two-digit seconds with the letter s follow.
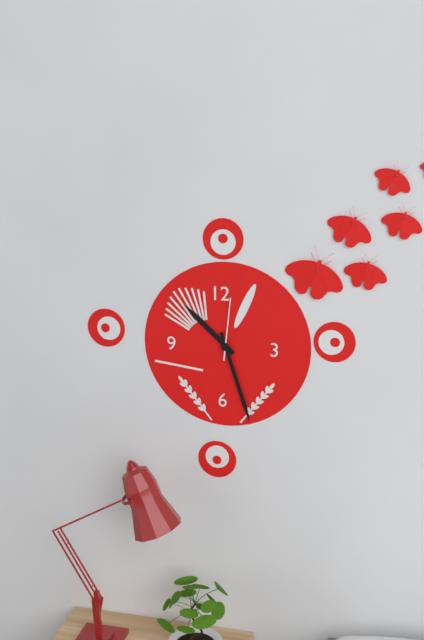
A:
10h27m01s
